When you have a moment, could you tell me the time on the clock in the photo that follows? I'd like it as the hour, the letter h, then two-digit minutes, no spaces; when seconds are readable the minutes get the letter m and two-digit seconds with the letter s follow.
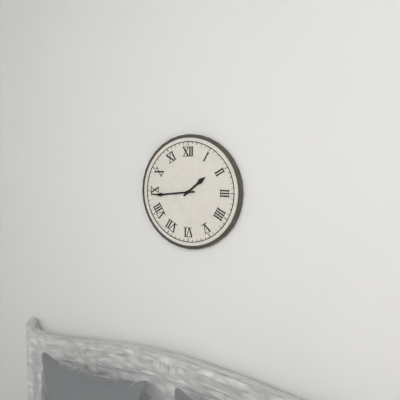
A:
1h44
